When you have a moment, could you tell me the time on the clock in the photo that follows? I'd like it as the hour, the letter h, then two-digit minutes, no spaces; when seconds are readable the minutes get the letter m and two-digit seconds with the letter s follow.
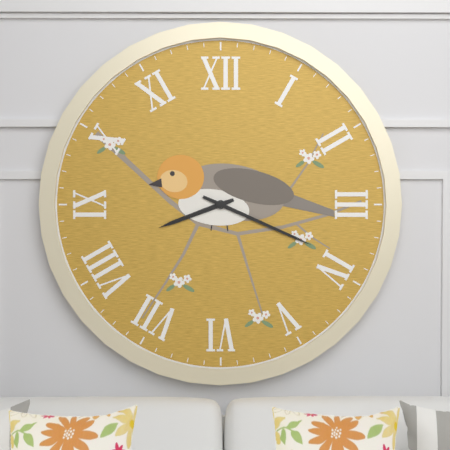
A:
8h19
